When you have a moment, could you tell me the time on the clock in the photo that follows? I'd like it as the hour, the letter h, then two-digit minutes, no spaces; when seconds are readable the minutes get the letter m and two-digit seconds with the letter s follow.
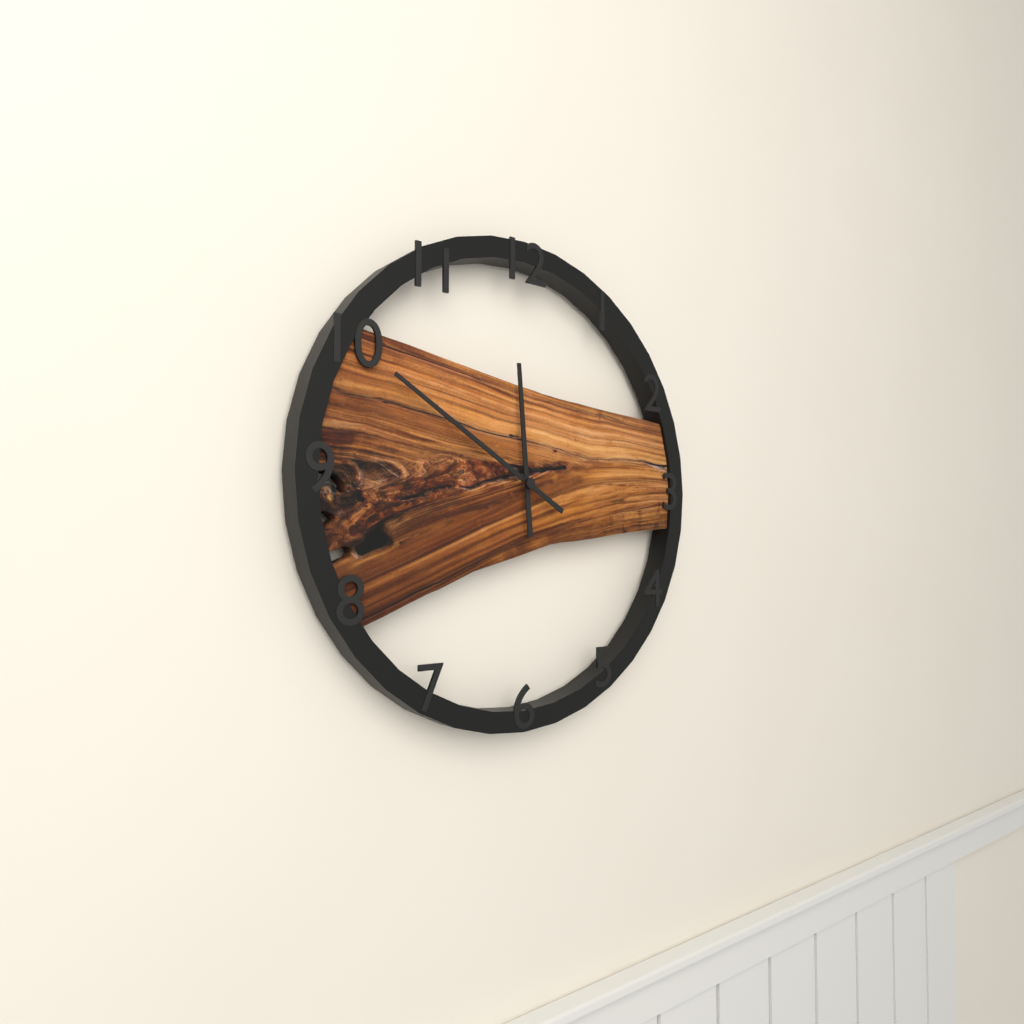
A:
11h50
